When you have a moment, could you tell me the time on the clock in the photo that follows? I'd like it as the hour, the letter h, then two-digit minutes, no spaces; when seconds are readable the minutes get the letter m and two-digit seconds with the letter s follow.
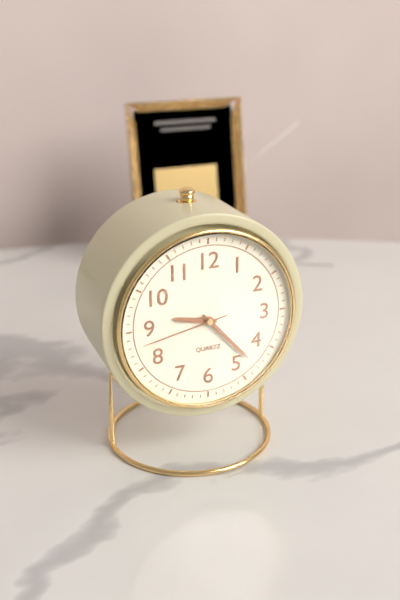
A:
9h23m43s
